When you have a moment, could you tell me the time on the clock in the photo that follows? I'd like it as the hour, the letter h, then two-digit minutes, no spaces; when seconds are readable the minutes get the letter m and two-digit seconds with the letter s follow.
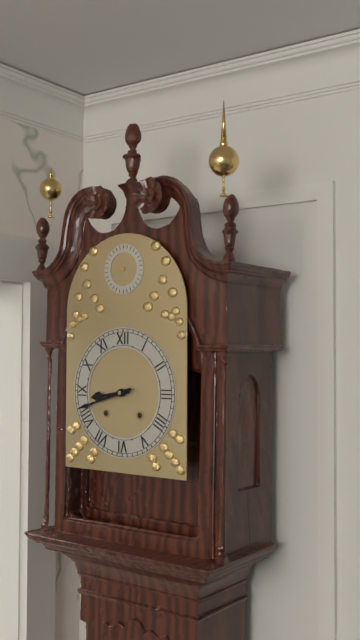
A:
8h42
